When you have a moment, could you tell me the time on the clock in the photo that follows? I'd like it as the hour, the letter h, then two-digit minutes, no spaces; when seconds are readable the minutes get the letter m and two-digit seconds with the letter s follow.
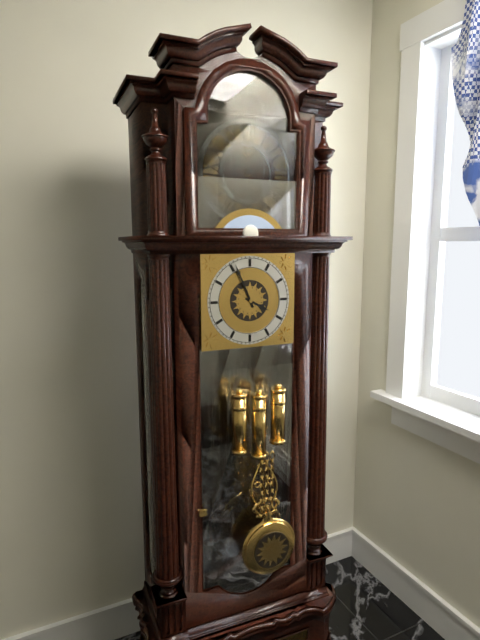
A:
3h56
